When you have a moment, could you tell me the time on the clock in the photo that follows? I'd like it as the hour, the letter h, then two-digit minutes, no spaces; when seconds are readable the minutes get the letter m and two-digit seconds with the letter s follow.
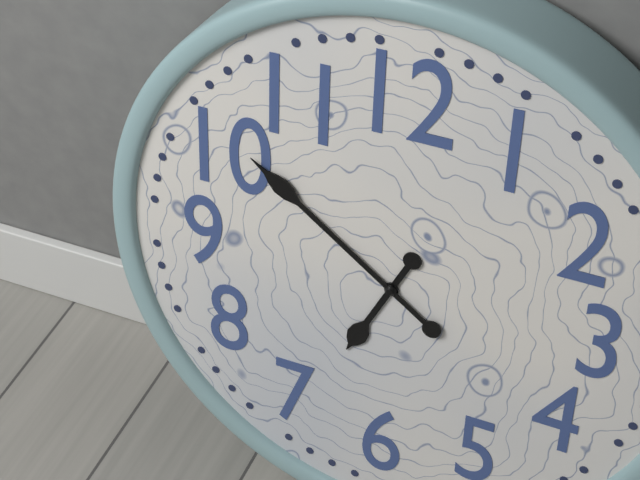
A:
6h51
